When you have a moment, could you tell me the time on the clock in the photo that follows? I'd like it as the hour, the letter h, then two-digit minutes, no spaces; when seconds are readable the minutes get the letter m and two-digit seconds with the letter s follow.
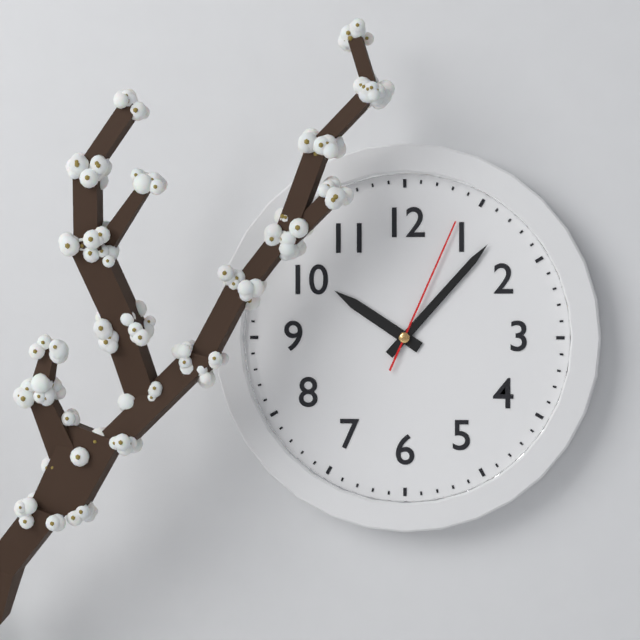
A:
10h07m04s
